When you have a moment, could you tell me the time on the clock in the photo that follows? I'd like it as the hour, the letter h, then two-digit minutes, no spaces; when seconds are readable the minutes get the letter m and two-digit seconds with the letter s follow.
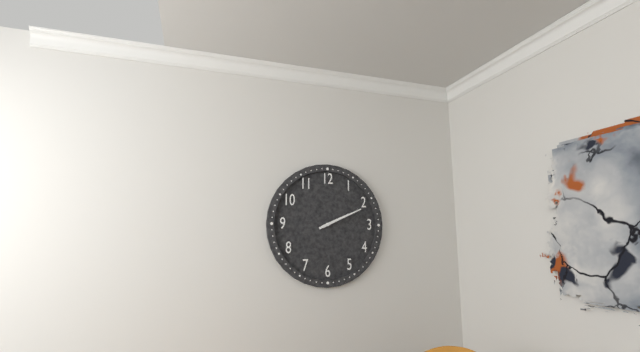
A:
2h11
